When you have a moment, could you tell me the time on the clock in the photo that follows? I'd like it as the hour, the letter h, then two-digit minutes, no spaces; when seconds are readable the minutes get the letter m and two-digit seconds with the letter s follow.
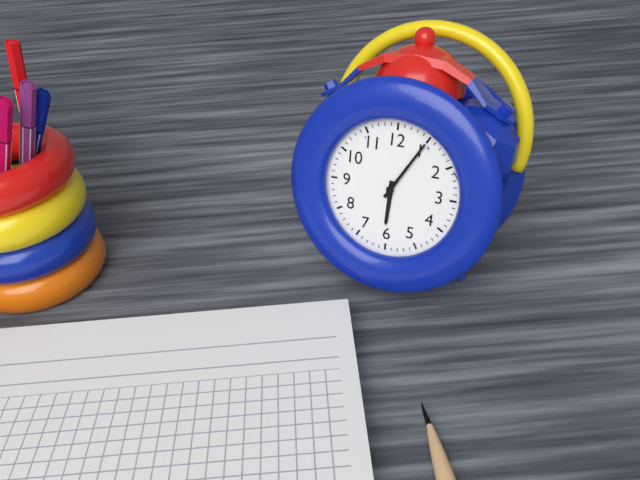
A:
6h05
